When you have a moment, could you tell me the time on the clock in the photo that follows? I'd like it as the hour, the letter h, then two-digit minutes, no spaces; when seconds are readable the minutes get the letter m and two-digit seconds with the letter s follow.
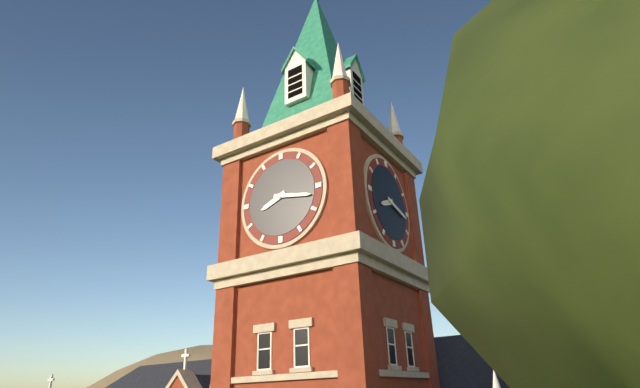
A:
8h17
